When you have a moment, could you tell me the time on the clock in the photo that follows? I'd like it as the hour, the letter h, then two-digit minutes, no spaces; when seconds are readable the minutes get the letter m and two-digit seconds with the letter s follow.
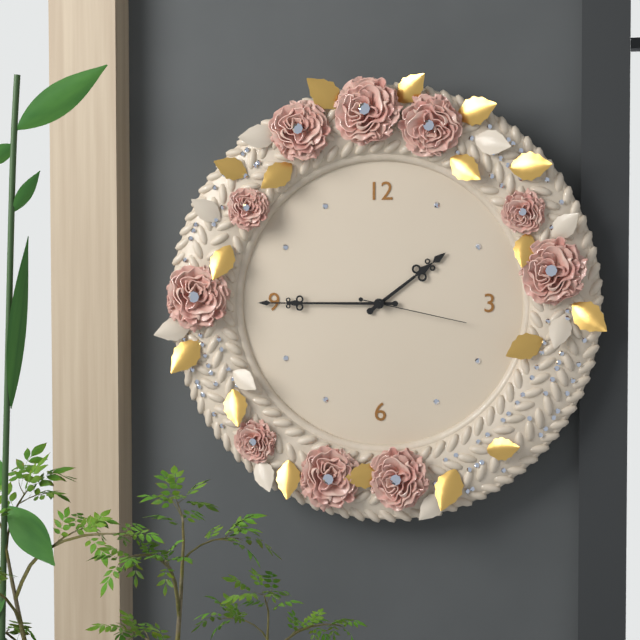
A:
1h45m17s
